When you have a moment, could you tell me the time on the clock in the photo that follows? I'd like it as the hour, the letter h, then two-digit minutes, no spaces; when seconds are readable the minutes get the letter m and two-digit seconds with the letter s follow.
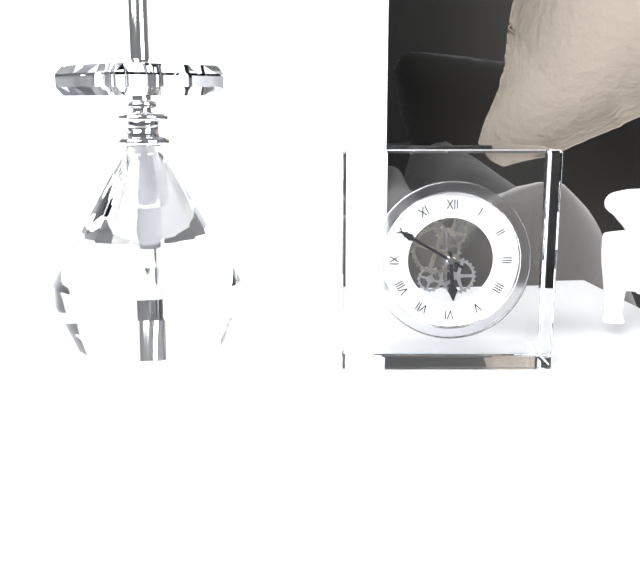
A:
5h50
